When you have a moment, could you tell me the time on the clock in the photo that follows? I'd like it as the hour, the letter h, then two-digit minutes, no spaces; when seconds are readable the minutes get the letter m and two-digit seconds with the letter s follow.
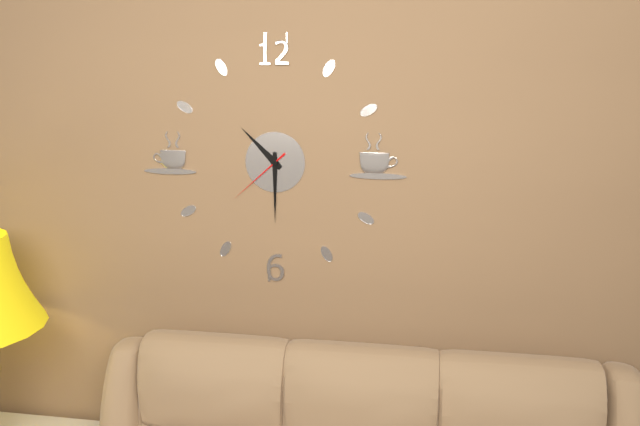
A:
10h30m38s
